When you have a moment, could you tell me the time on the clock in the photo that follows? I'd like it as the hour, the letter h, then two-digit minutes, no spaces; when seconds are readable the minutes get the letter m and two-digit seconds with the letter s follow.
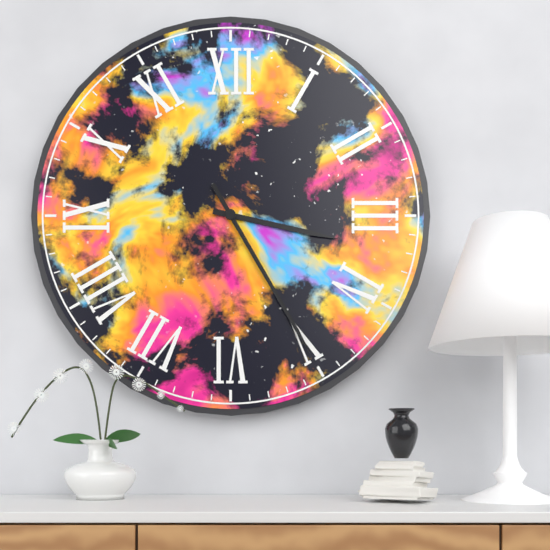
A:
3h25
